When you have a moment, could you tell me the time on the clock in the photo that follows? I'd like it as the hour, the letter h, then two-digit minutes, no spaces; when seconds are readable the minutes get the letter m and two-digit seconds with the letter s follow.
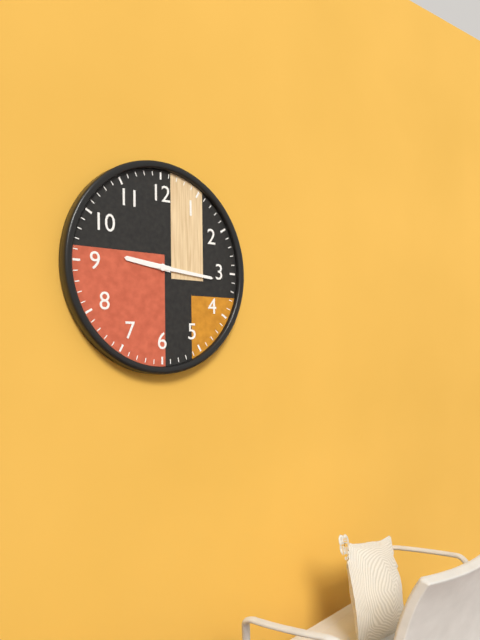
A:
9h16
